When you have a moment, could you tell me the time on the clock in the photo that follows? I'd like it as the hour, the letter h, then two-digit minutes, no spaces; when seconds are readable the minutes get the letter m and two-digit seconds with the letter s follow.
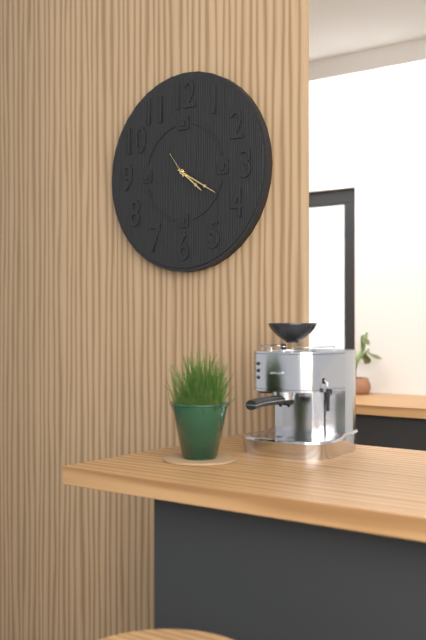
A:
4h20
